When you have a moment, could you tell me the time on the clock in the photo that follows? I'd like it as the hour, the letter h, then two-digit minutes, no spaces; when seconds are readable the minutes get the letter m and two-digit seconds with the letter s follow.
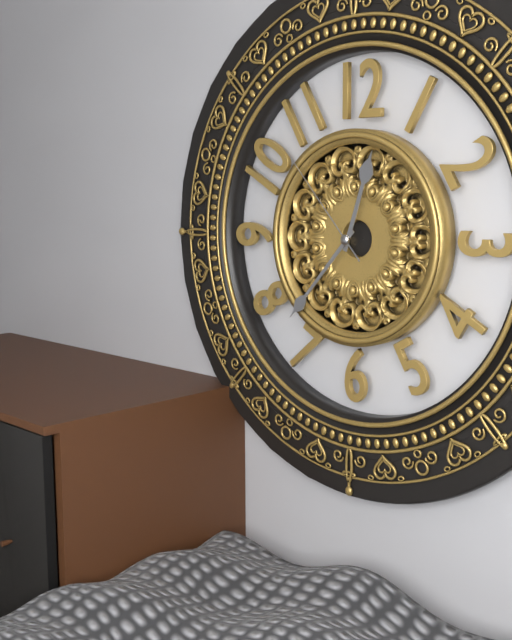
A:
12h37m53s
